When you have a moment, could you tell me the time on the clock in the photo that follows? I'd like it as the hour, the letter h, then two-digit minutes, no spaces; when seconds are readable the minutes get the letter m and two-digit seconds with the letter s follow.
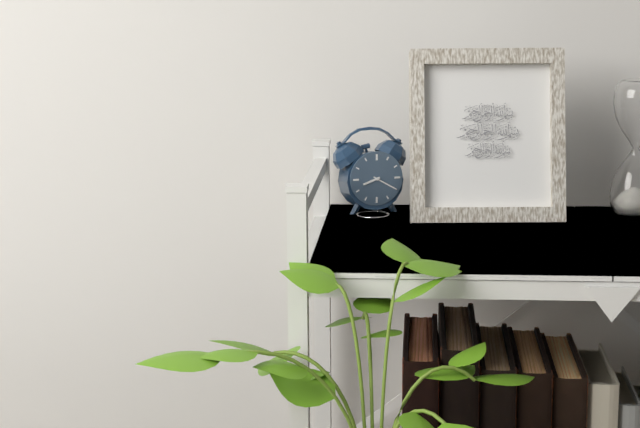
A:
8h20
